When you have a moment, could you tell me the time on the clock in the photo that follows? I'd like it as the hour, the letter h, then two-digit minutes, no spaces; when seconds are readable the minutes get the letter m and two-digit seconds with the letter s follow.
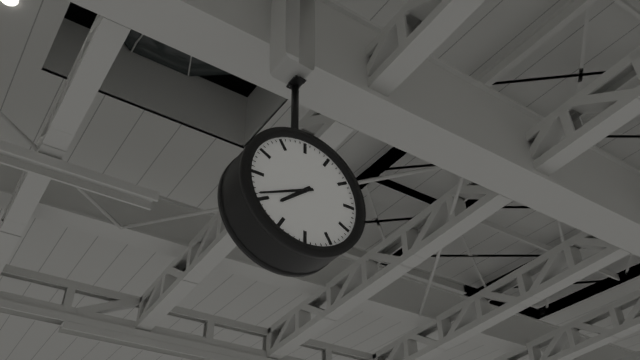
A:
7h41
